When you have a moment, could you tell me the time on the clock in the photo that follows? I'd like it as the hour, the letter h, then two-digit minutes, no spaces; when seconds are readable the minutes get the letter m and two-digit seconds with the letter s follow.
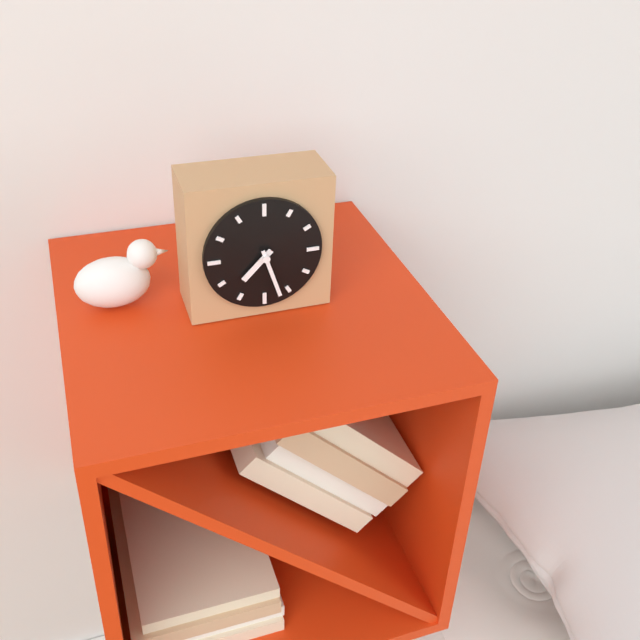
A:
7h27
